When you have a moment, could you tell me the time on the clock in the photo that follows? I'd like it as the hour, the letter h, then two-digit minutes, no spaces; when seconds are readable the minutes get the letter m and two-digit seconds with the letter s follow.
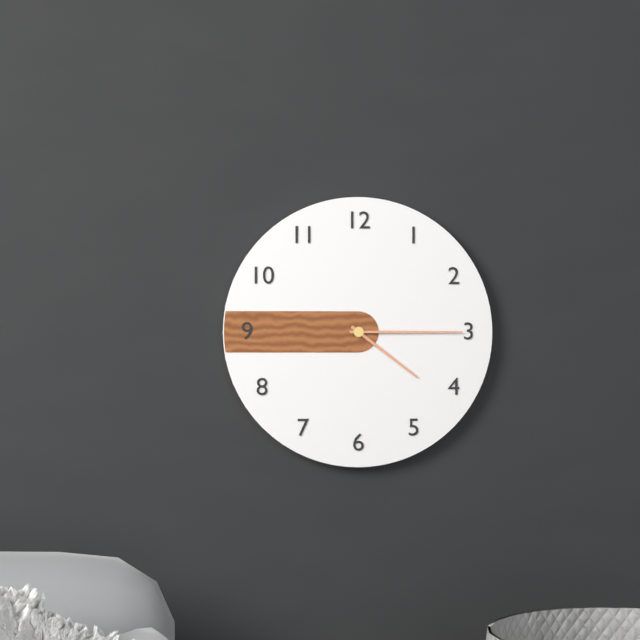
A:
4h15
